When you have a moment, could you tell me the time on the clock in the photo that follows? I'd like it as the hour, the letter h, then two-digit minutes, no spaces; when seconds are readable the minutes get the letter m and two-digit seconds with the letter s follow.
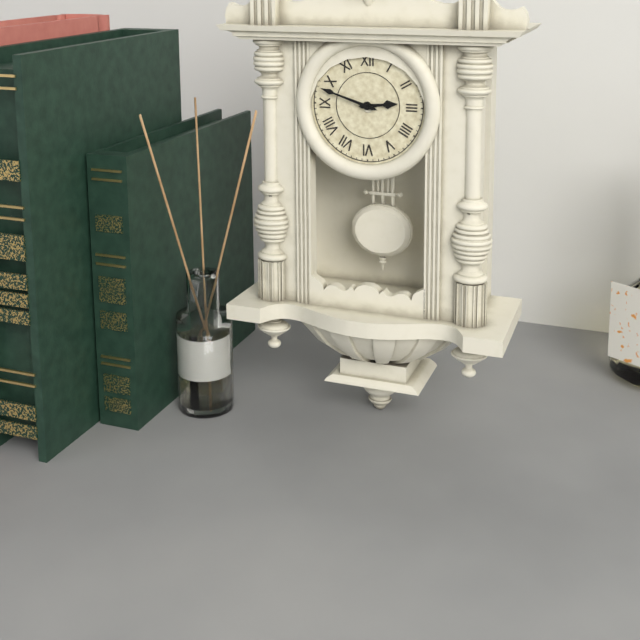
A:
2h48
